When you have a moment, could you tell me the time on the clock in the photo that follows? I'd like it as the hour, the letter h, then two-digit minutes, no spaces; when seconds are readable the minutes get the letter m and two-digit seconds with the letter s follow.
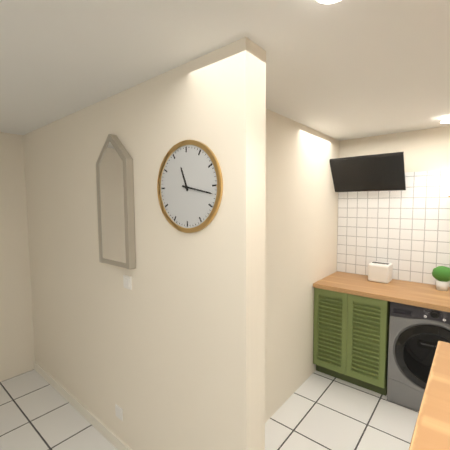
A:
11h17
